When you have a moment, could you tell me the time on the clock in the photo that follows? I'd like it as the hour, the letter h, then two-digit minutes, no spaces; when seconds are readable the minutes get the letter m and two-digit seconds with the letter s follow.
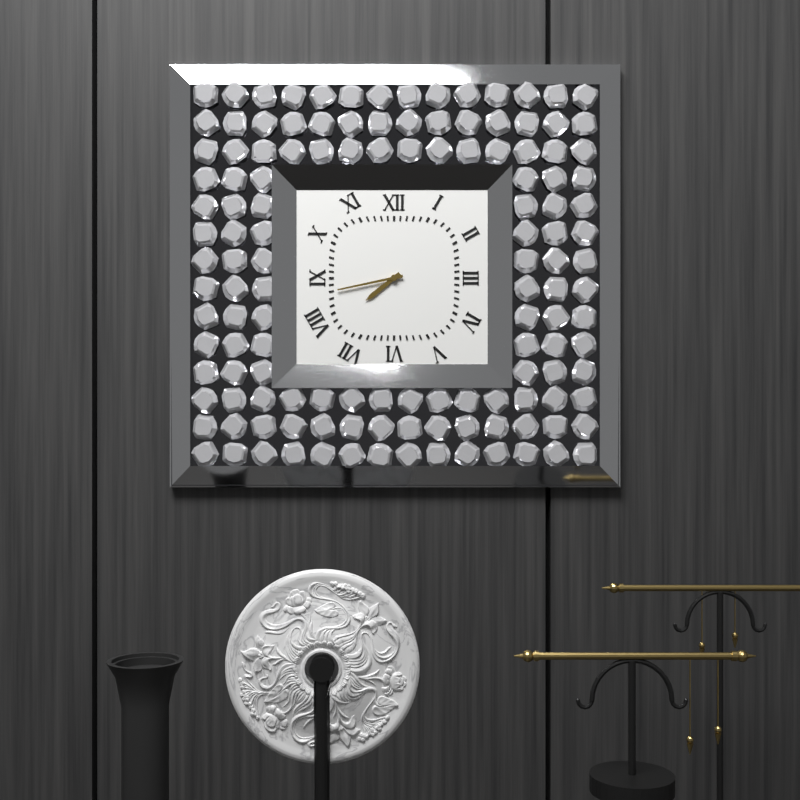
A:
7h43
